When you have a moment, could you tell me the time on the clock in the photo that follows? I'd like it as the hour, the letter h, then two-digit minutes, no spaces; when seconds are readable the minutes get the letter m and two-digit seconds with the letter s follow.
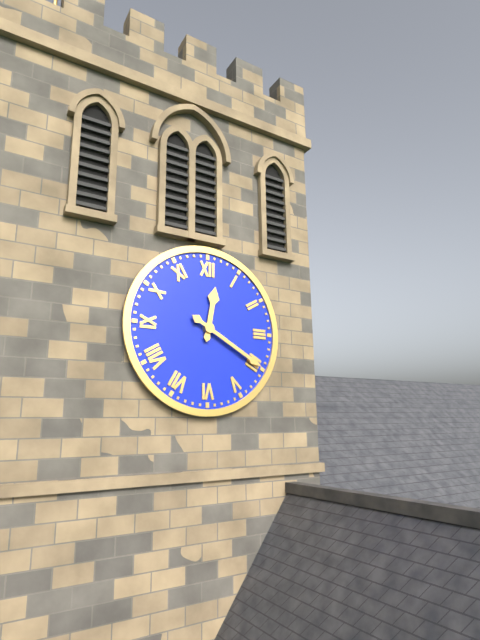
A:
12h20
